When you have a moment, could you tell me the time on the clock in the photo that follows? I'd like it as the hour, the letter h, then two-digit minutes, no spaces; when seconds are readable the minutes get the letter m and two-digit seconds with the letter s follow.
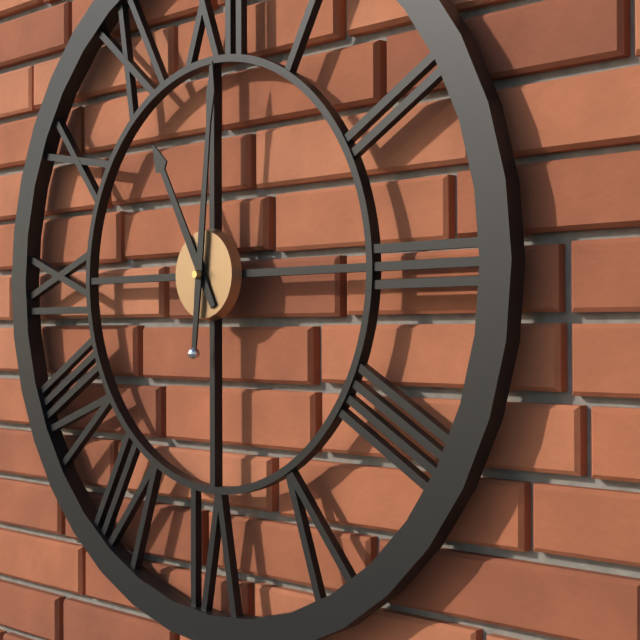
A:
11h01
